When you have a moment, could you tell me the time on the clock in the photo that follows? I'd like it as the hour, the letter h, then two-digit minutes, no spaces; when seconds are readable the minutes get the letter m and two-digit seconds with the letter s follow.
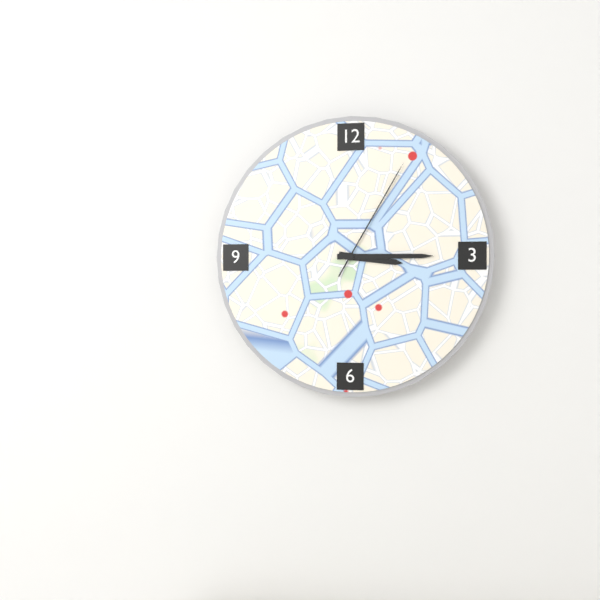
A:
3h15m05s
